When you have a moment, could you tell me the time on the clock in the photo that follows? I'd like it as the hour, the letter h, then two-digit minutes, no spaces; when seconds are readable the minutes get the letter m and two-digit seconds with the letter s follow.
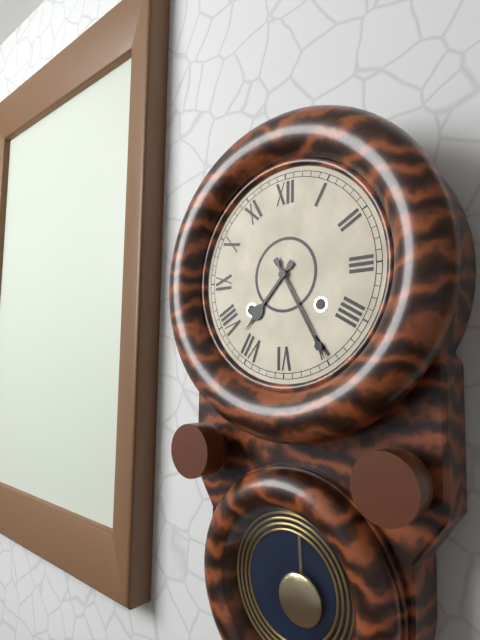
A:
7h25
